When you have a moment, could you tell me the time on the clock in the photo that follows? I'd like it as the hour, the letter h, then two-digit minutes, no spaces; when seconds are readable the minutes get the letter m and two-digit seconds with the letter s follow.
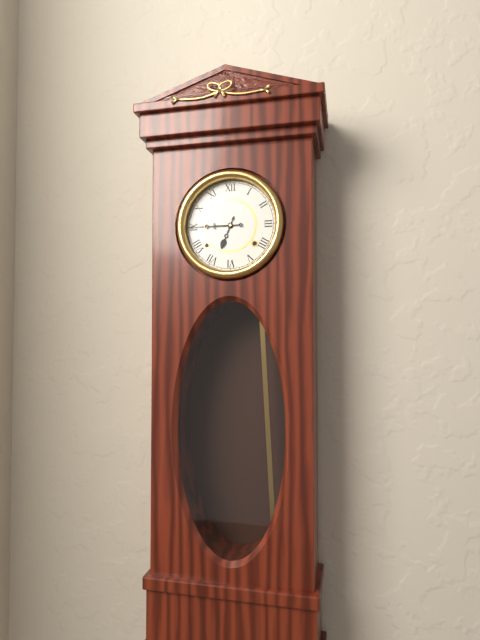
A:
6h45
